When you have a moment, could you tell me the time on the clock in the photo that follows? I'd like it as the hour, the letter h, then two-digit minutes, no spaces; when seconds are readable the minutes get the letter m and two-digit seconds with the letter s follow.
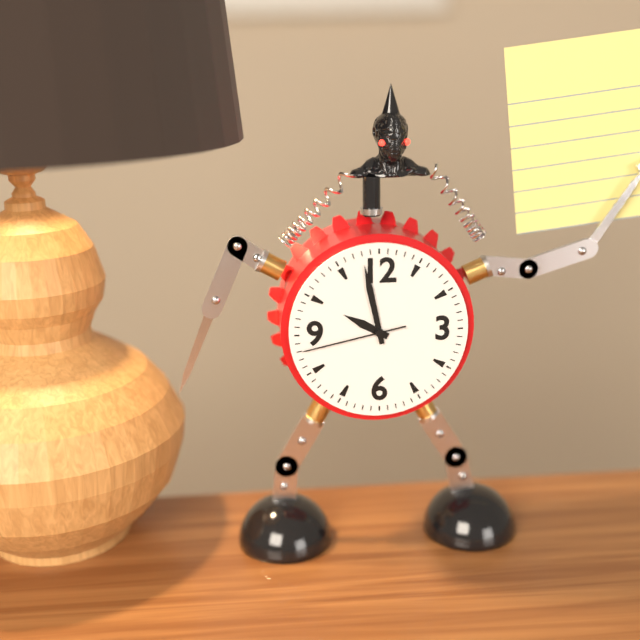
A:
9h58m43s
